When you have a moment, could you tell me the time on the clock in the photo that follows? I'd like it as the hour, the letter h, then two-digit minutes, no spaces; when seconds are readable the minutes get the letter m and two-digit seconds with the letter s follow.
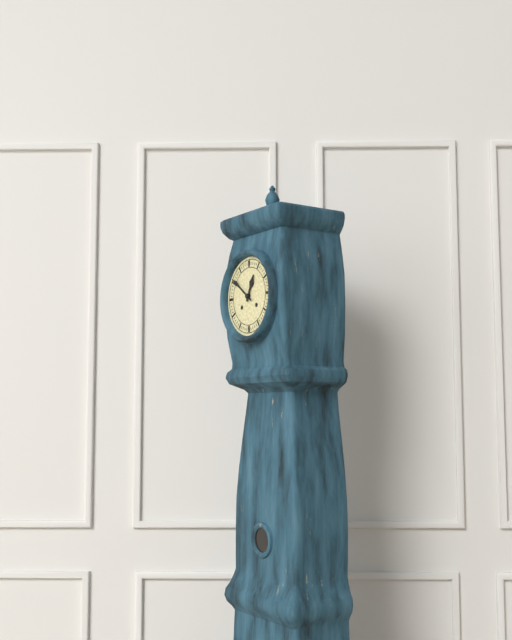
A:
12h51
